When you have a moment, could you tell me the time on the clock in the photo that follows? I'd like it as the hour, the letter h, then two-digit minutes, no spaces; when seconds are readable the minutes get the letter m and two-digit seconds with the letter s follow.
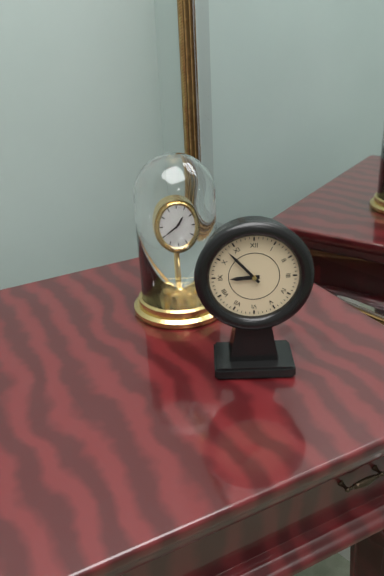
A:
8h53
